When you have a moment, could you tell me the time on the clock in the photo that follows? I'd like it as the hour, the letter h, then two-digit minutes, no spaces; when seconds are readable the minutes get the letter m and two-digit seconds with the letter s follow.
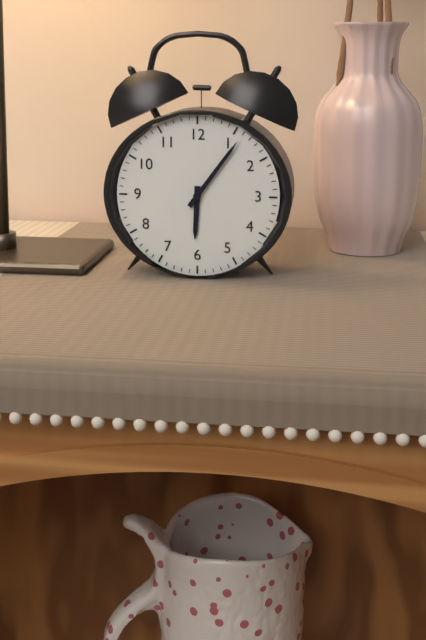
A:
6h06
